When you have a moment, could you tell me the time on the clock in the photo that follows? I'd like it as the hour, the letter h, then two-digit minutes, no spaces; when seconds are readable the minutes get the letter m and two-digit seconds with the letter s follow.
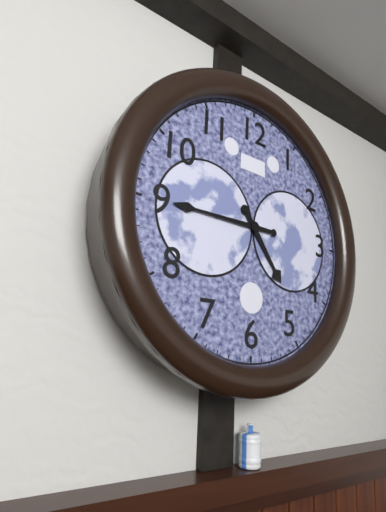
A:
4h45
